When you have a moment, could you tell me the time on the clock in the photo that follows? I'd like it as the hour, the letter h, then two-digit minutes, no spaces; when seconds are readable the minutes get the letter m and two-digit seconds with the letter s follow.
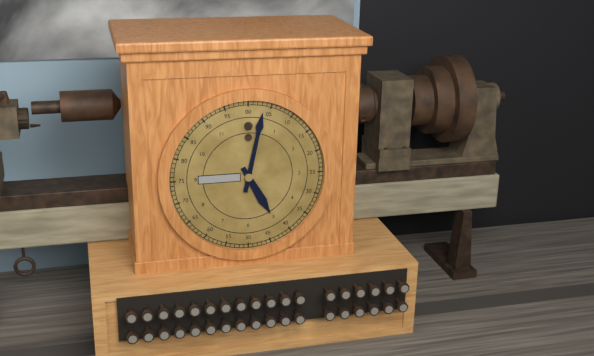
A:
5h02
